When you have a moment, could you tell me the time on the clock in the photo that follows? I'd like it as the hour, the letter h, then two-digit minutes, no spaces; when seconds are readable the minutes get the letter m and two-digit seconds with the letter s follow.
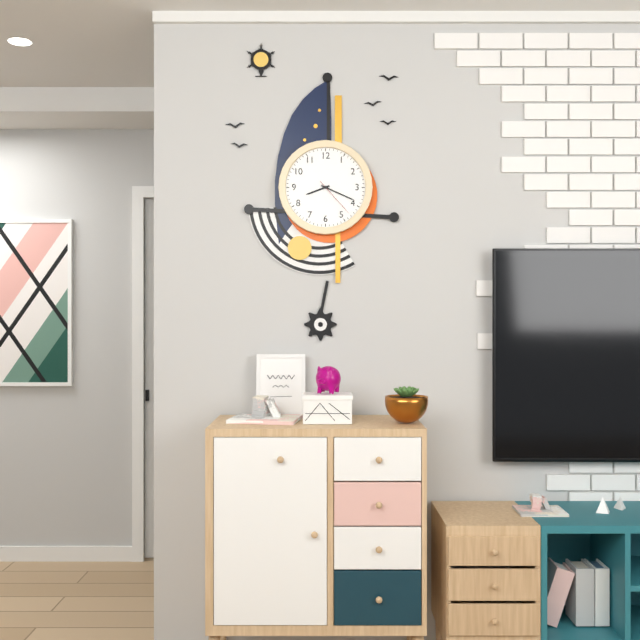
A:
8h19
